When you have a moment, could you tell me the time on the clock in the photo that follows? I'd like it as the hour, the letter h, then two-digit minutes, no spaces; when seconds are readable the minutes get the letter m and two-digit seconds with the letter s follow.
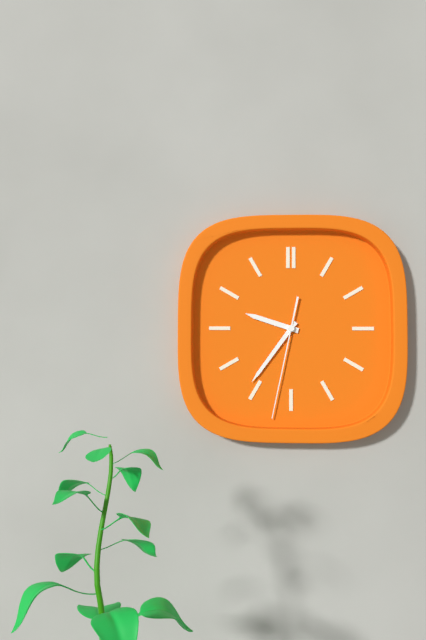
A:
9h36m32s
